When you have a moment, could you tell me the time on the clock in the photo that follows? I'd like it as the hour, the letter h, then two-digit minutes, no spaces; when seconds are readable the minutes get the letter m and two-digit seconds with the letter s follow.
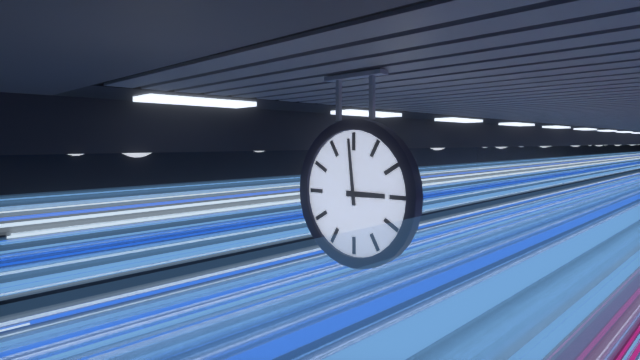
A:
2h59
